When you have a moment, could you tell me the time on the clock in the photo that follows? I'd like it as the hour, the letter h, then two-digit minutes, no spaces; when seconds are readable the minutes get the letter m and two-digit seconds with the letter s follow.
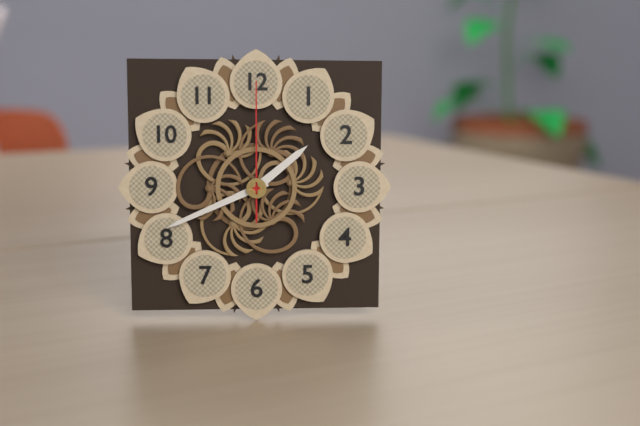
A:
1h41m00s
